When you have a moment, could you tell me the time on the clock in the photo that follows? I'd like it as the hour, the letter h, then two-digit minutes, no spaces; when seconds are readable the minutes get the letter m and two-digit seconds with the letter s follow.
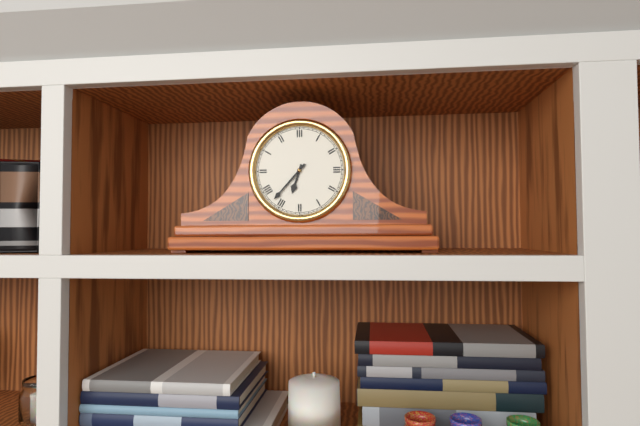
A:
6h37
